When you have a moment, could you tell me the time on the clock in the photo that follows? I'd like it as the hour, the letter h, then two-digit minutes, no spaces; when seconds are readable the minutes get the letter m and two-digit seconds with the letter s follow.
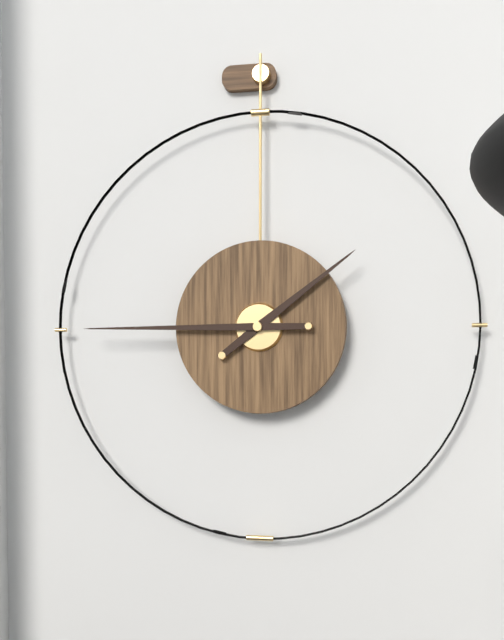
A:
1h45
